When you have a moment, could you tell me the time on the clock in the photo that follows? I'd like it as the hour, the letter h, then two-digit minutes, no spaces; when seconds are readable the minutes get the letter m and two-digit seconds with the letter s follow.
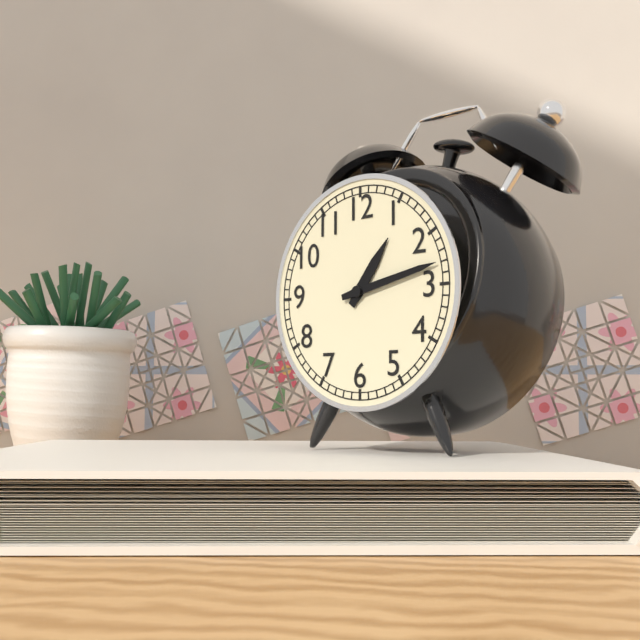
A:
1h13
